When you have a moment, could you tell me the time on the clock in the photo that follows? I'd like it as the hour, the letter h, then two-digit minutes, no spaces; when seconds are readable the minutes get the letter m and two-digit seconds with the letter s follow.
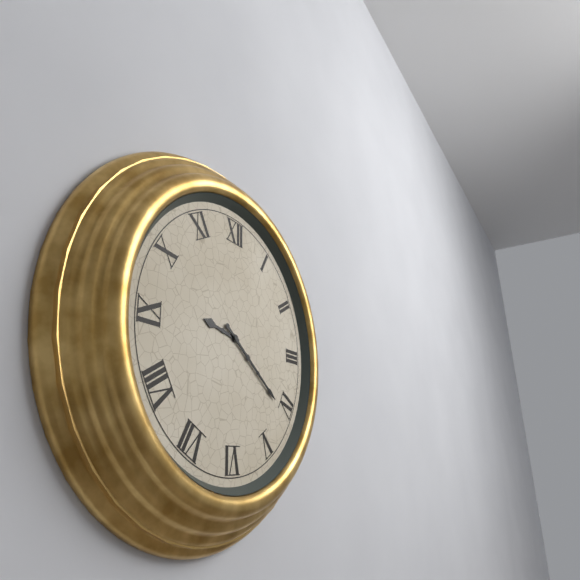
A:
9h21
